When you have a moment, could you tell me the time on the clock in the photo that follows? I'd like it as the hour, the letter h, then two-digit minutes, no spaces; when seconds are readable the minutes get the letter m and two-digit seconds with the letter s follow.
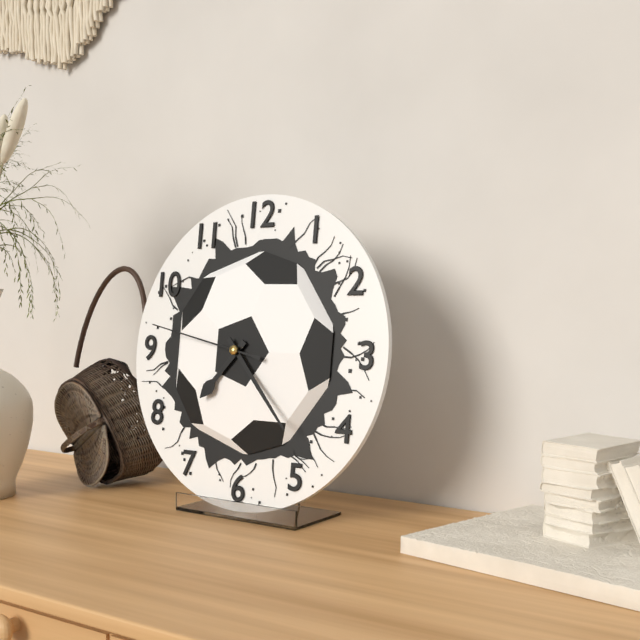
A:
7h23m47s
